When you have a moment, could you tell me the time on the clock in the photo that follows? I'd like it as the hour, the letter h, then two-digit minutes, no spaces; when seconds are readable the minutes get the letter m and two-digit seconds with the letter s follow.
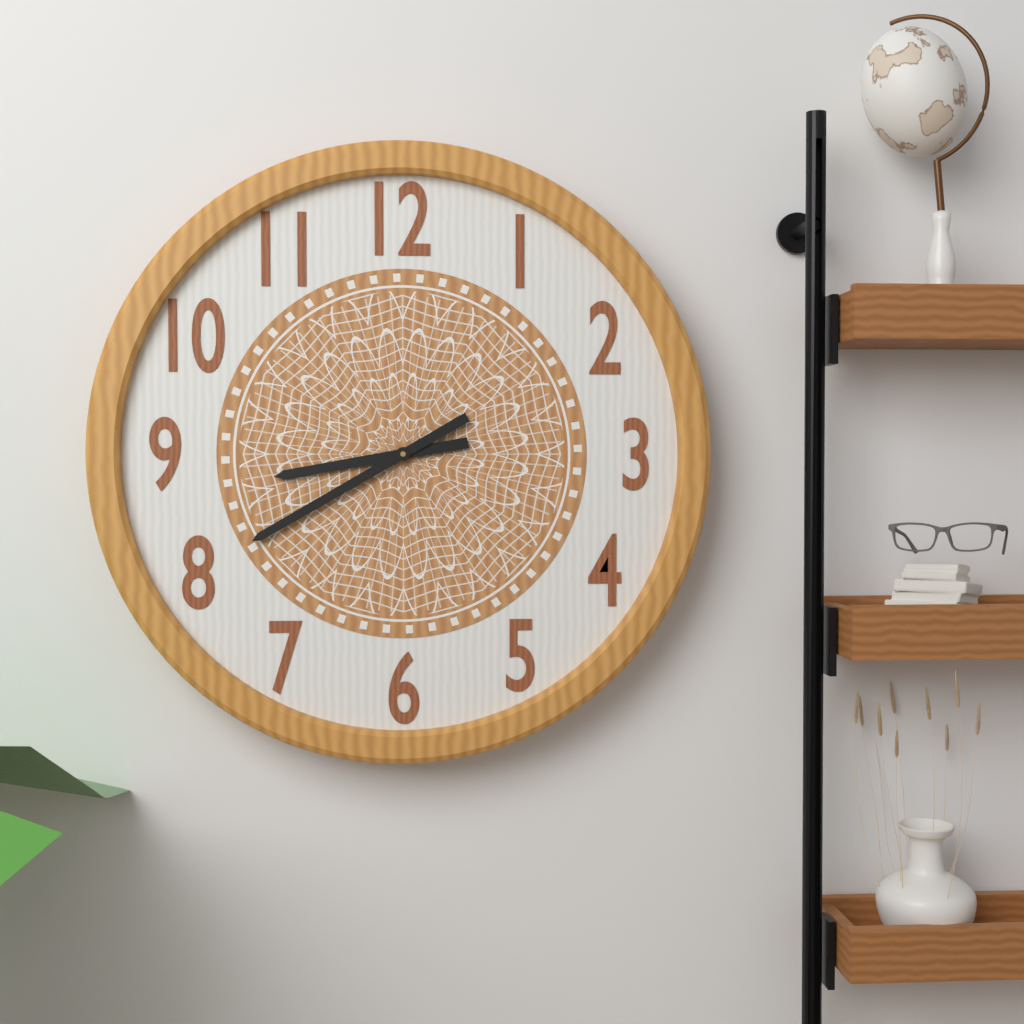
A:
8h40
